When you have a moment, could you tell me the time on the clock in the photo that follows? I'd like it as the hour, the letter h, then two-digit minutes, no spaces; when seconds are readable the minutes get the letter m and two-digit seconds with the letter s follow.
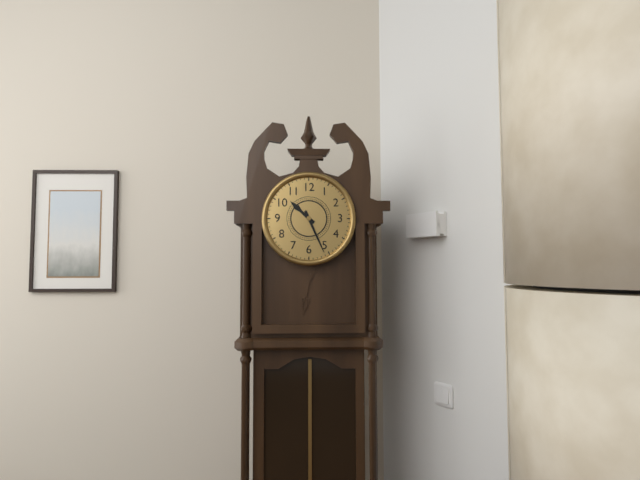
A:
10h26
